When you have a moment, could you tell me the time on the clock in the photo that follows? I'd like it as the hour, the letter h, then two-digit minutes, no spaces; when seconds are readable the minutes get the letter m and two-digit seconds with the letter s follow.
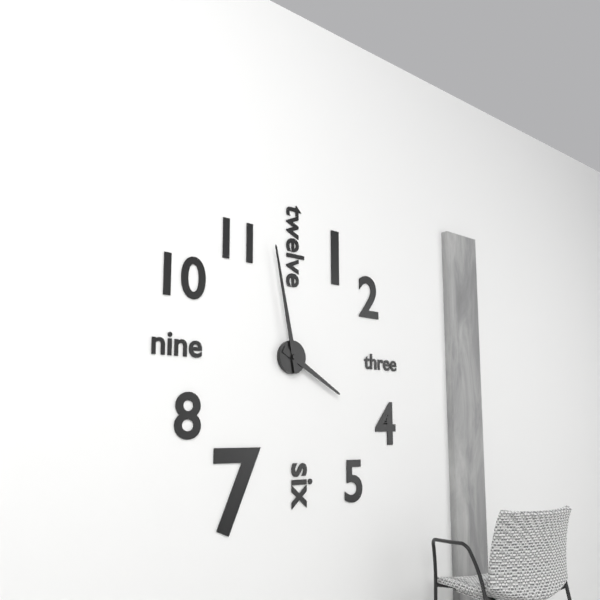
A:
3h58
